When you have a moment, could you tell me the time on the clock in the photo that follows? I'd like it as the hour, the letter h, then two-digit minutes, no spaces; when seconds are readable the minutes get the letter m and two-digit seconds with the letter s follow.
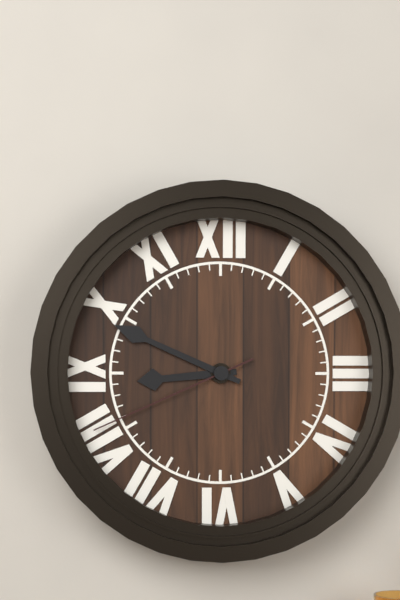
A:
8h49m41s
